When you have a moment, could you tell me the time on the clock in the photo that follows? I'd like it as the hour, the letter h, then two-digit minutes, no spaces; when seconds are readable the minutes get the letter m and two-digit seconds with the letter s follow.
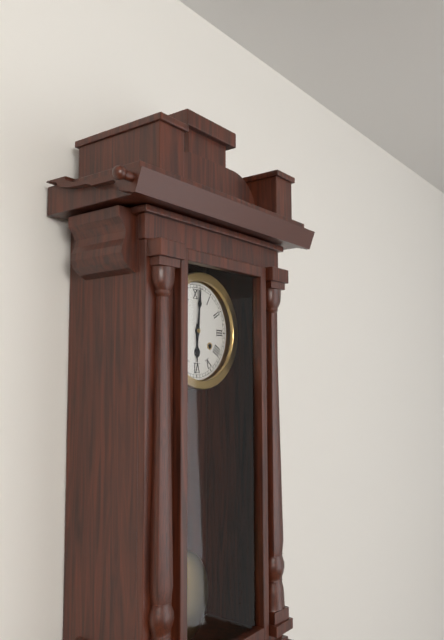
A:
6h01
